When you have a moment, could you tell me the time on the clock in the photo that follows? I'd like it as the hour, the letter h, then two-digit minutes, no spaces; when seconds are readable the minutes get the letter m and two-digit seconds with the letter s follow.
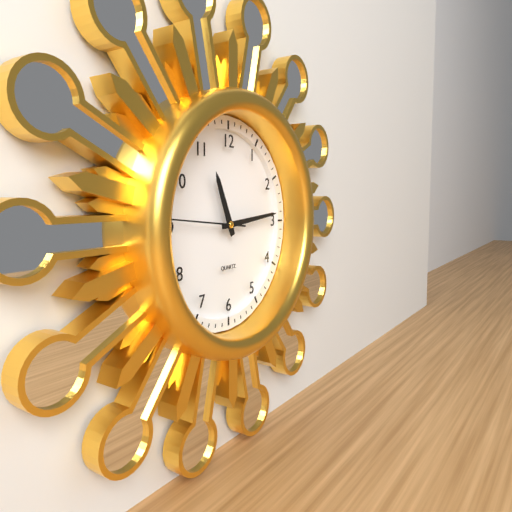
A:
11h14m46s
